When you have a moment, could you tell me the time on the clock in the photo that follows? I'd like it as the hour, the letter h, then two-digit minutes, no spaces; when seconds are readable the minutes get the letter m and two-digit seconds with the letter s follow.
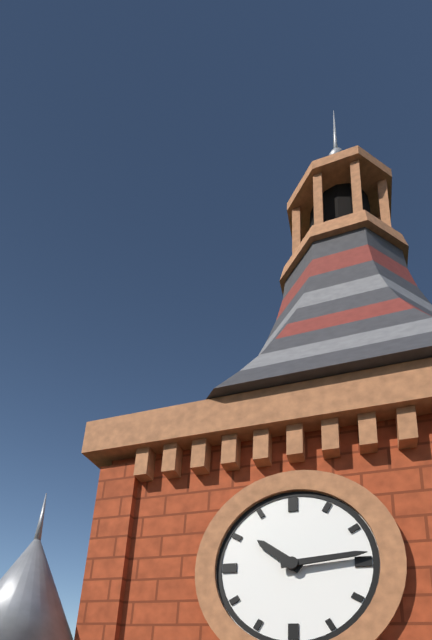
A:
10h14
